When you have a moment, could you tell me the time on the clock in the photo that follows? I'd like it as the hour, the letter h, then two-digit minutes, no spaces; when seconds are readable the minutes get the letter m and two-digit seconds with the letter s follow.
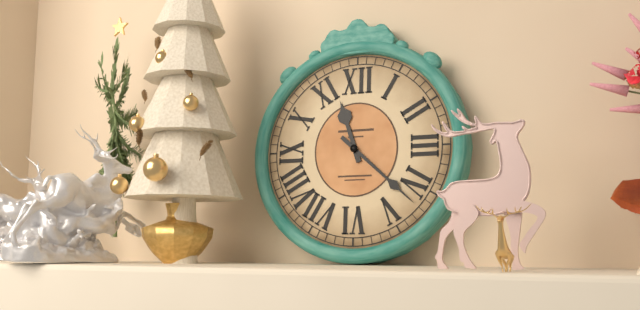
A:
11h22
